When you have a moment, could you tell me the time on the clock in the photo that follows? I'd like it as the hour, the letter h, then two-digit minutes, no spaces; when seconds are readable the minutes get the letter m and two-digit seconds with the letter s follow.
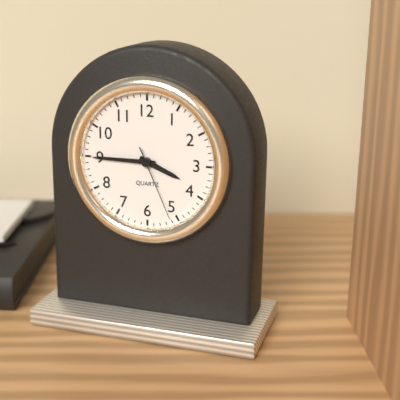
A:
3h45m26s
